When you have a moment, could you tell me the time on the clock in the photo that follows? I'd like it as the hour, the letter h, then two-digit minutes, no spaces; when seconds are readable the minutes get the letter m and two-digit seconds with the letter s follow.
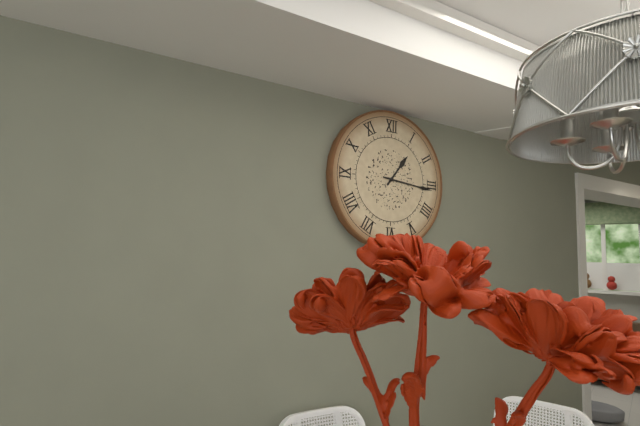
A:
1h16
